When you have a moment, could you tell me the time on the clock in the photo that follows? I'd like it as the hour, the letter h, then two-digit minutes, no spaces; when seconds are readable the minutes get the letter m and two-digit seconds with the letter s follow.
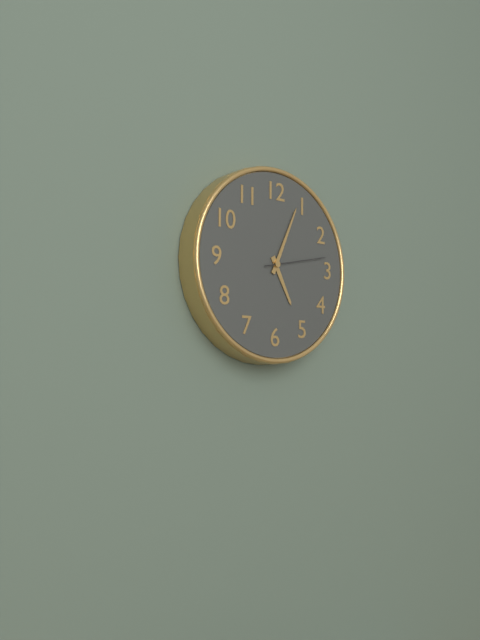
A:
5h04m13s
